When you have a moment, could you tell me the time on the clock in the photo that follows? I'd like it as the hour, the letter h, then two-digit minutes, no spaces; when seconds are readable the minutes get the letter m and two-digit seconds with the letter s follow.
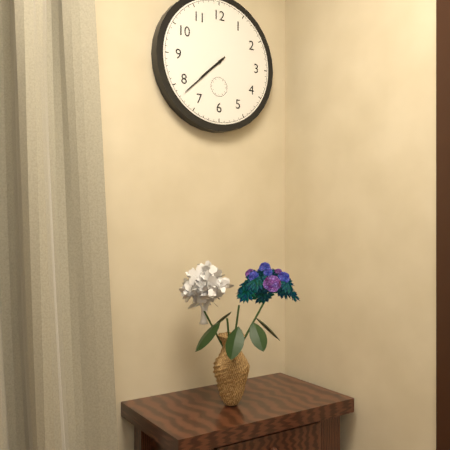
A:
7h38
